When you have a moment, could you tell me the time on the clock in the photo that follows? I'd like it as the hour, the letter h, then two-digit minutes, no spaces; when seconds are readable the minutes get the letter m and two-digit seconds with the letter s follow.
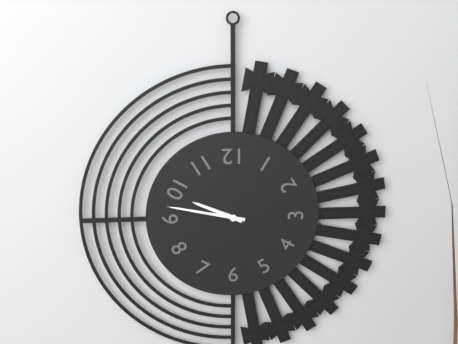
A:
9h47
